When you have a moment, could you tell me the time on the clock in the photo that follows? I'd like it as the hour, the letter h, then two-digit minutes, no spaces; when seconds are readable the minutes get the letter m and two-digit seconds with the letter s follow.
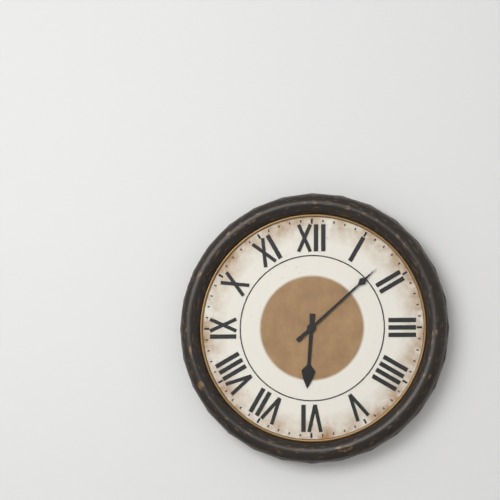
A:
6h08
